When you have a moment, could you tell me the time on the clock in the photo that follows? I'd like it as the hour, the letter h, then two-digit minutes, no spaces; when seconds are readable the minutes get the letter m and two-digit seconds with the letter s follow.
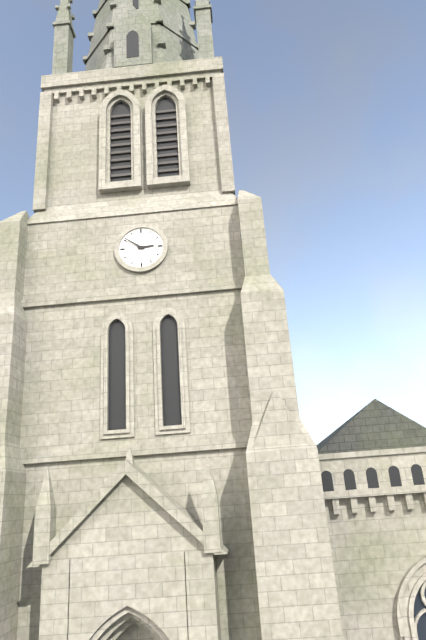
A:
2h51
